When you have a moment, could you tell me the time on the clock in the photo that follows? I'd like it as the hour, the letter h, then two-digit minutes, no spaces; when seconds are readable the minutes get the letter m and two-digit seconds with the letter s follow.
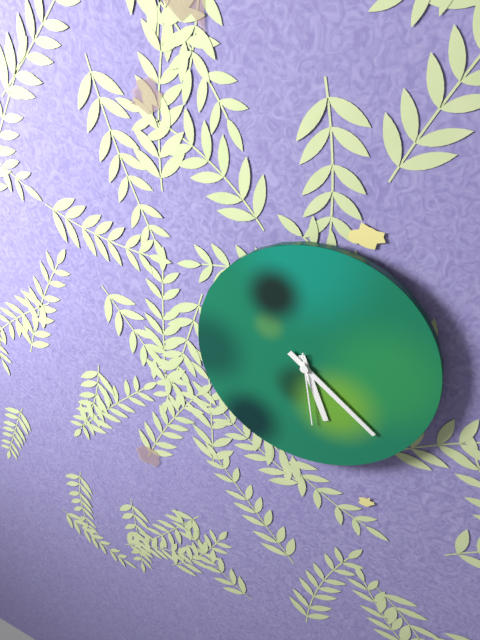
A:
5h22m29s
